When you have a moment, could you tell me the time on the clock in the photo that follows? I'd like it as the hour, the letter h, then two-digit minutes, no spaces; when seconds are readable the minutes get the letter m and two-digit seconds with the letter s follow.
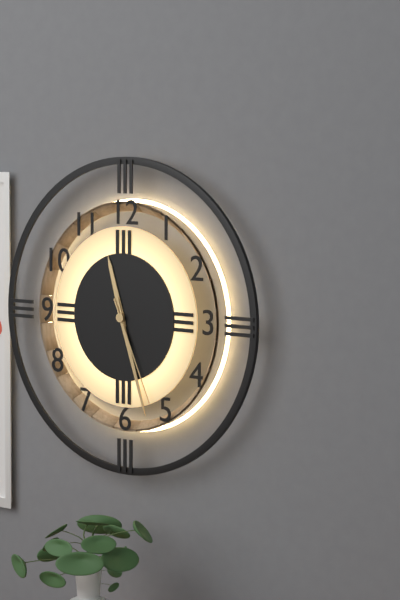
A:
11h27m26s
